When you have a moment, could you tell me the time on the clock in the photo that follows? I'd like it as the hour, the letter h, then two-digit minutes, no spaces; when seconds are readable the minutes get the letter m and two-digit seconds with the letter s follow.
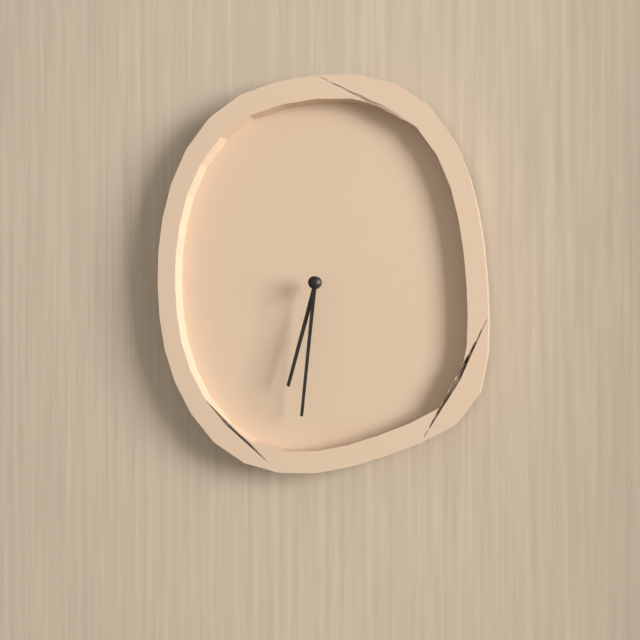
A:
6h31
